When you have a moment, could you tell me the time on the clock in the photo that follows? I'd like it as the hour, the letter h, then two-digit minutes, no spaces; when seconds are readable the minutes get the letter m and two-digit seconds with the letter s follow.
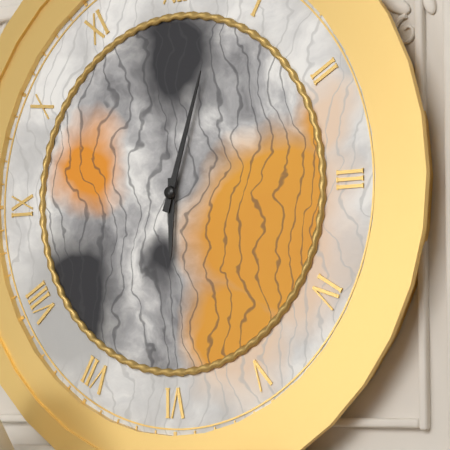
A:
6h03
